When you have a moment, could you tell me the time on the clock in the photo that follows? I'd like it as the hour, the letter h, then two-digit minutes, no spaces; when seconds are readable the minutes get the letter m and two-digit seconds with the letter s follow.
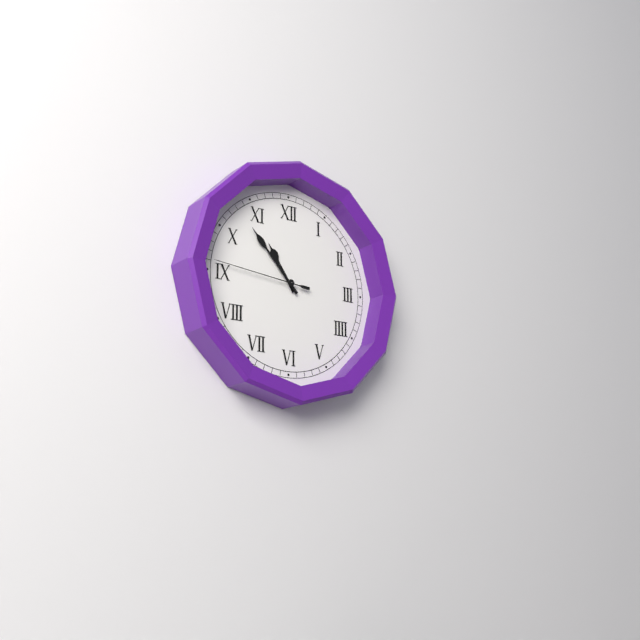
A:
10h53m46s
